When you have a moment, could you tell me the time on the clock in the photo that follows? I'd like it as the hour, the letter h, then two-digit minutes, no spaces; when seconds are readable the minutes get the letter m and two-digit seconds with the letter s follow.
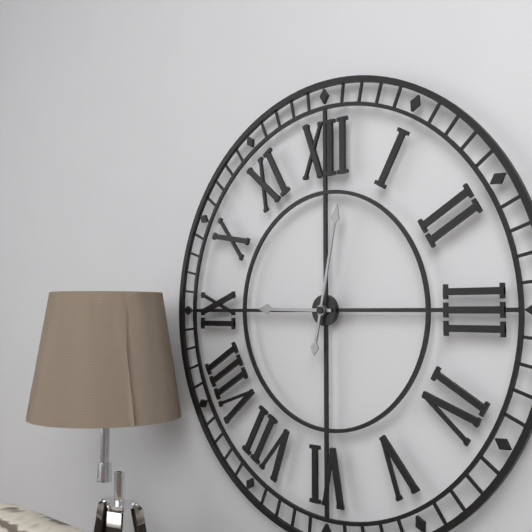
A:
9h02
